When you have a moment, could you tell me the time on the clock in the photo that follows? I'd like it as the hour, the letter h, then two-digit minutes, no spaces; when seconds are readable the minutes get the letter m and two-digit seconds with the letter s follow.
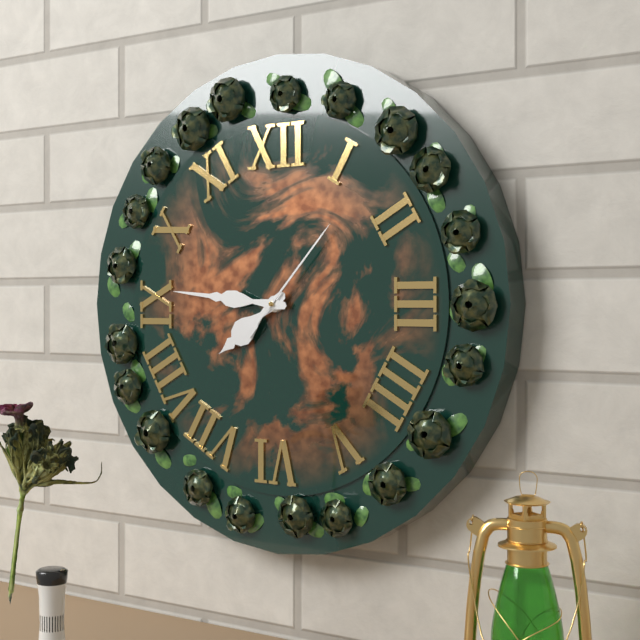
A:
7h46m07s
